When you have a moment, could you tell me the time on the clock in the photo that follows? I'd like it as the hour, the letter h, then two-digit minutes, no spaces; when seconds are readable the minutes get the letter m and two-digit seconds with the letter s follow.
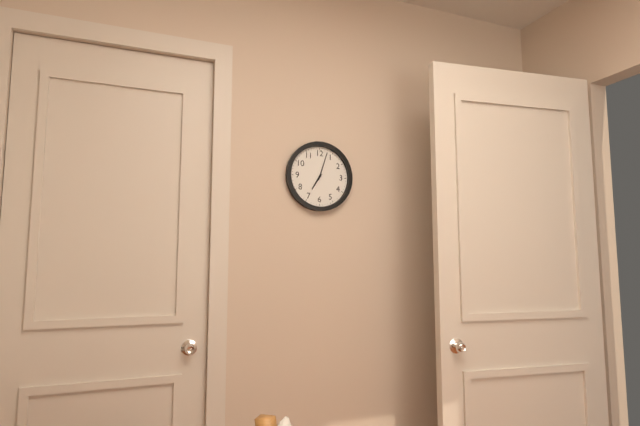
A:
7h03
